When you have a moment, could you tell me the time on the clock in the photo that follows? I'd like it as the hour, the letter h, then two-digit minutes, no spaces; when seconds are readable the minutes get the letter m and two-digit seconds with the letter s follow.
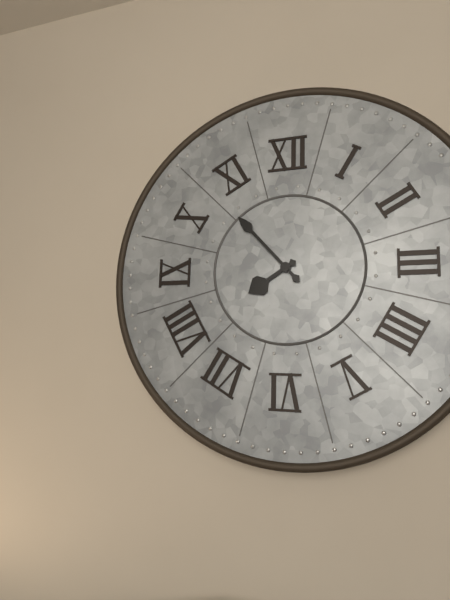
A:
7h53
